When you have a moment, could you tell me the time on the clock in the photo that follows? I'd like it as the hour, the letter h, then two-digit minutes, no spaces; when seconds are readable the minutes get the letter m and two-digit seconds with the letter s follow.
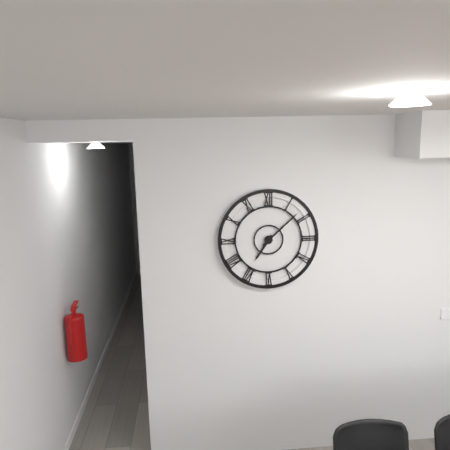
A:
7h08
